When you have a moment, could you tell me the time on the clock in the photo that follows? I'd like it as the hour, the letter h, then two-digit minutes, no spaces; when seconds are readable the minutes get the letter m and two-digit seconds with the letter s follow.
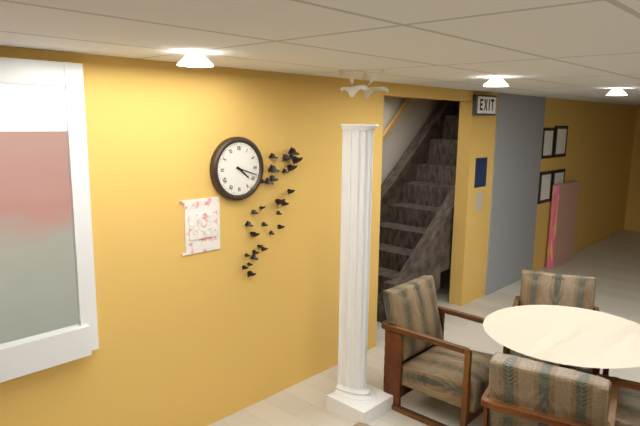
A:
4h18
